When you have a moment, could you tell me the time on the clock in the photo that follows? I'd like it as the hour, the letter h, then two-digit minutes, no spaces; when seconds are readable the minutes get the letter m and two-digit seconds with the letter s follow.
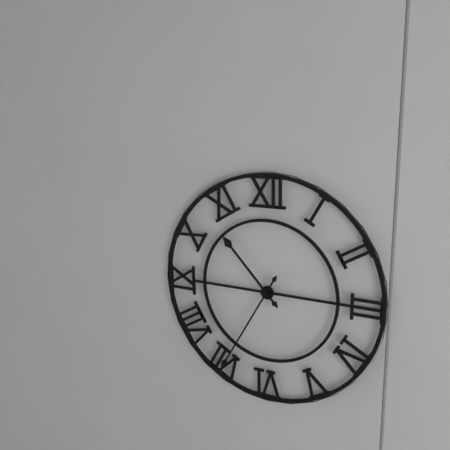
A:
10h35
